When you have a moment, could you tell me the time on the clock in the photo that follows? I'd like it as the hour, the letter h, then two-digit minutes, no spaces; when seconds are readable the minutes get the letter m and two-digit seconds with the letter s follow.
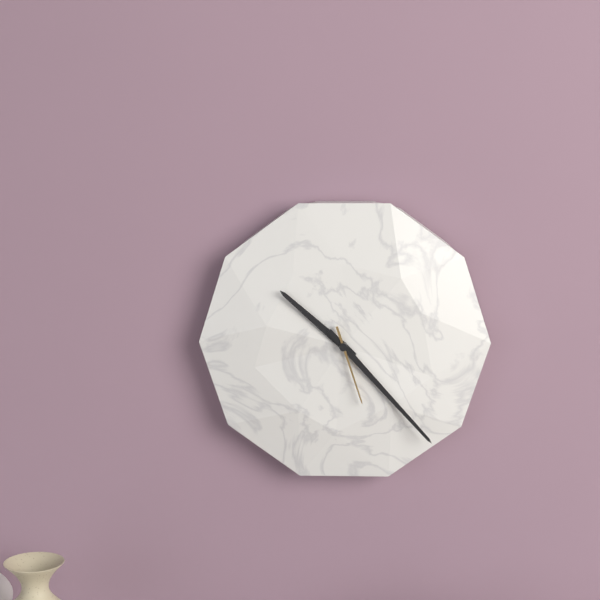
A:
10h23m27s
